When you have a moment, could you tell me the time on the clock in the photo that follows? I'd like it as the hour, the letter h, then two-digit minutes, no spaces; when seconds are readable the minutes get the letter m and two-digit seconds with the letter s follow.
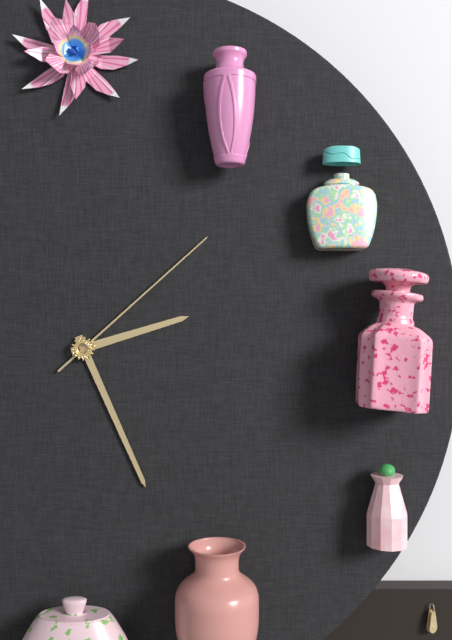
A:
2h26m08s
